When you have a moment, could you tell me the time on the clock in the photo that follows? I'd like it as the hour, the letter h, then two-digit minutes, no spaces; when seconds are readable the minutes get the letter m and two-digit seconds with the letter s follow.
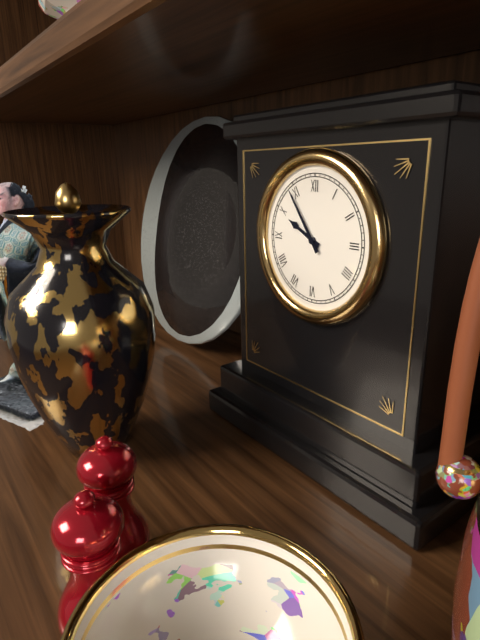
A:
9h54
